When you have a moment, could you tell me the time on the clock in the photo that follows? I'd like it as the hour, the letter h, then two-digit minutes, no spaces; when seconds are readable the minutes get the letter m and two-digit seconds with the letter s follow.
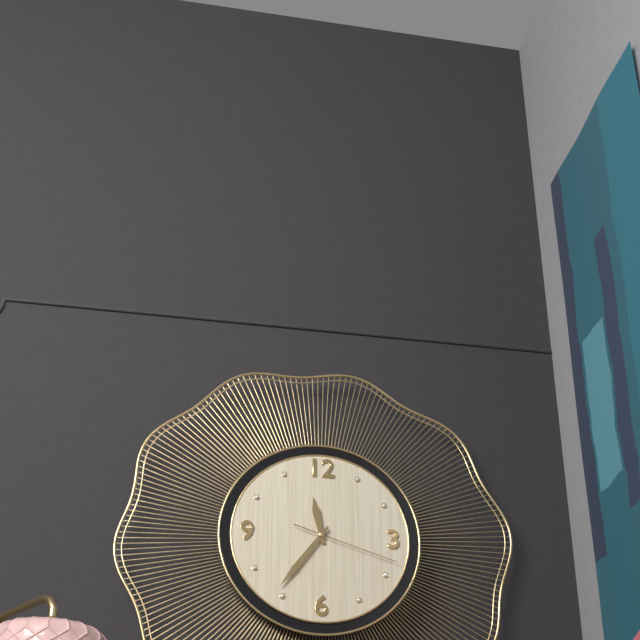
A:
11h36m18s
